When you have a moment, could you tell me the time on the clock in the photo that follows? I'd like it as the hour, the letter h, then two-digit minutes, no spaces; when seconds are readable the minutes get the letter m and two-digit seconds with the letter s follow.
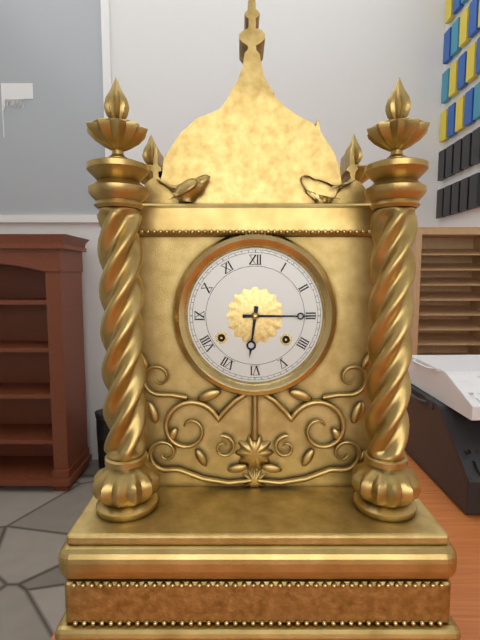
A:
6h15
